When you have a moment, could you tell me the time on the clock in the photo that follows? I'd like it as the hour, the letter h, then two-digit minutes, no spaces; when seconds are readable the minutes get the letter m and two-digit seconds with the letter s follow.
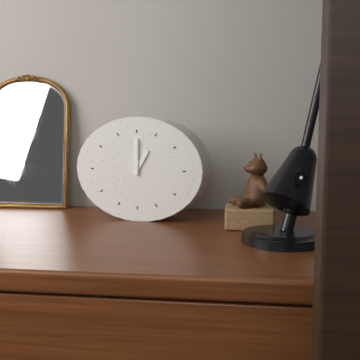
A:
1h00
